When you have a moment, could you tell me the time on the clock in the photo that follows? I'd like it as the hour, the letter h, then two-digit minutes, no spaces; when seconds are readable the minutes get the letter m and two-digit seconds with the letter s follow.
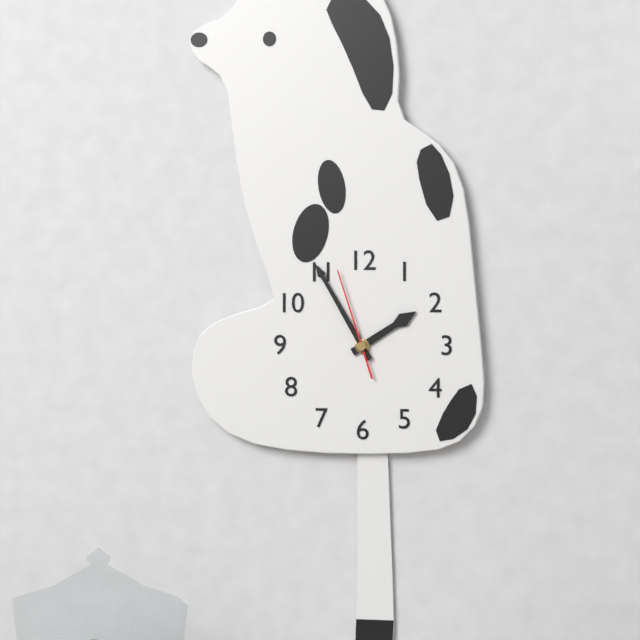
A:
1h55m57s
